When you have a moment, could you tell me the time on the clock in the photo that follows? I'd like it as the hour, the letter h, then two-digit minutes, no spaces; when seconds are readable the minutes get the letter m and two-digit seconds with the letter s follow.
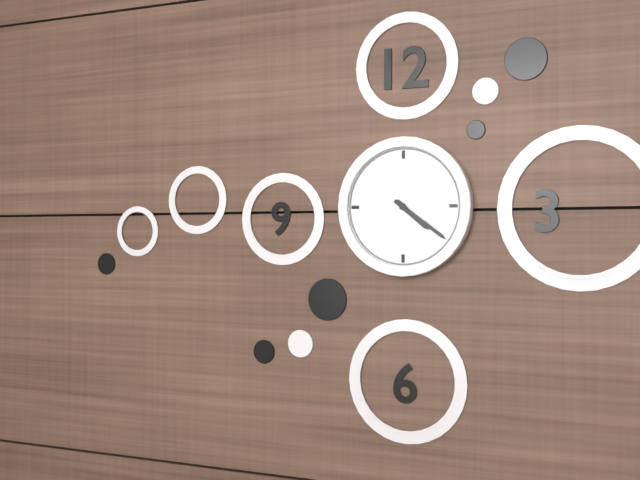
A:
4h21
